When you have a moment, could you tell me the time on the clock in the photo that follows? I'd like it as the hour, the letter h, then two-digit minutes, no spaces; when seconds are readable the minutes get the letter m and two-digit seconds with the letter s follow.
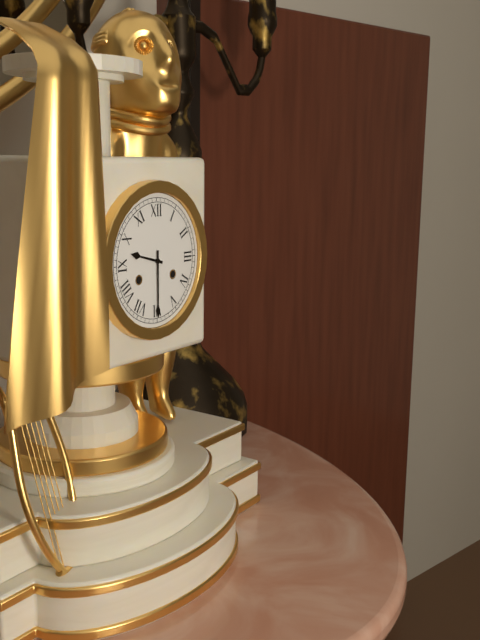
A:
9h30
